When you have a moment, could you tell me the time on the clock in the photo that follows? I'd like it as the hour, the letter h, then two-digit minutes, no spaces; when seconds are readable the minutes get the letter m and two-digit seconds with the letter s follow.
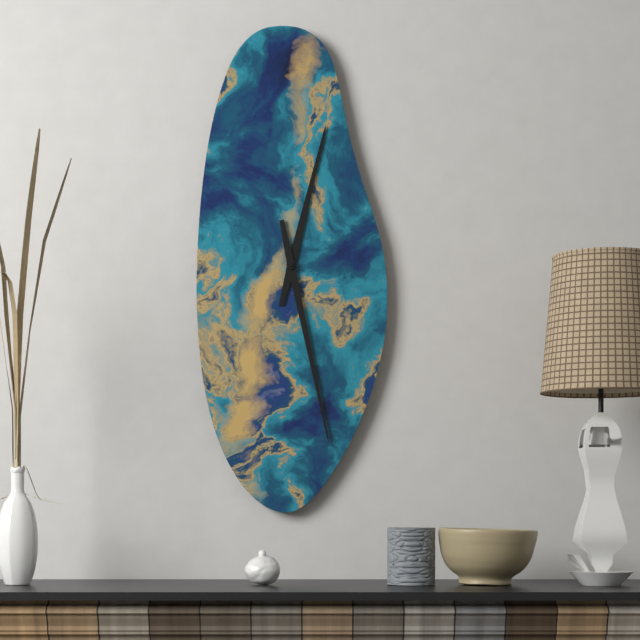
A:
12h28
